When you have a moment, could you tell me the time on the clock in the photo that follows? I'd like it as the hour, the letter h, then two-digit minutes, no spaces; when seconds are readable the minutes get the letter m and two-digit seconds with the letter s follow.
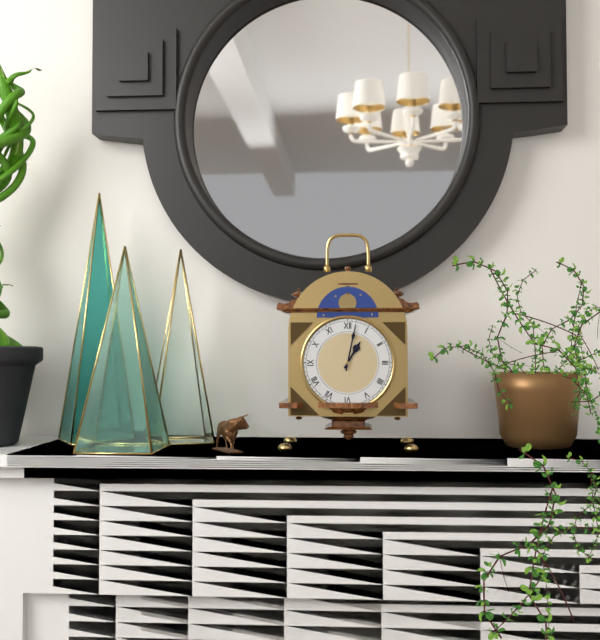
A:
1h02
